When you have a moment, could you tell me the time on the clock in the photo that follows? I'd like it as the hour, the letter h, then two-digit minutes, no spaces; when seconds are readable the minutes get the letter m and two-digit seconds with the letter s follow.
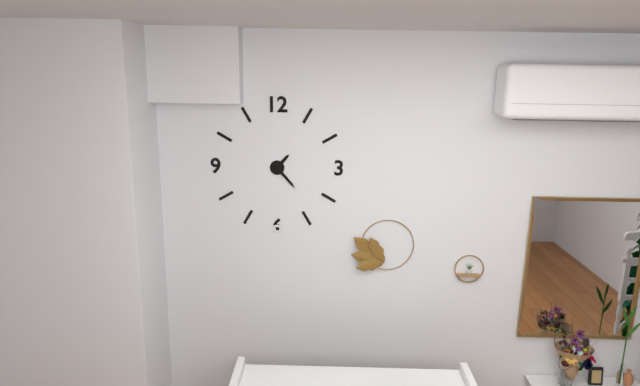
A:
1h23
